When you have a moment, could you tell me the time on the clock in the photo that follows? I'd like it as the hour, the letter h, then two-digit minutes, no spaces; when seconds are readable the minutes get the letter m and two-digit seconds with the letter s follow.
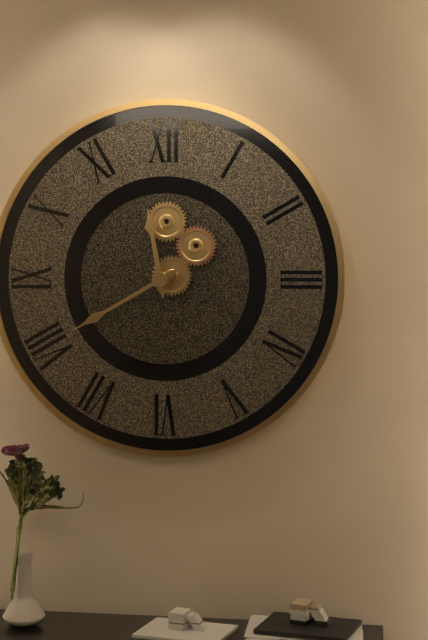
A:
11h40
